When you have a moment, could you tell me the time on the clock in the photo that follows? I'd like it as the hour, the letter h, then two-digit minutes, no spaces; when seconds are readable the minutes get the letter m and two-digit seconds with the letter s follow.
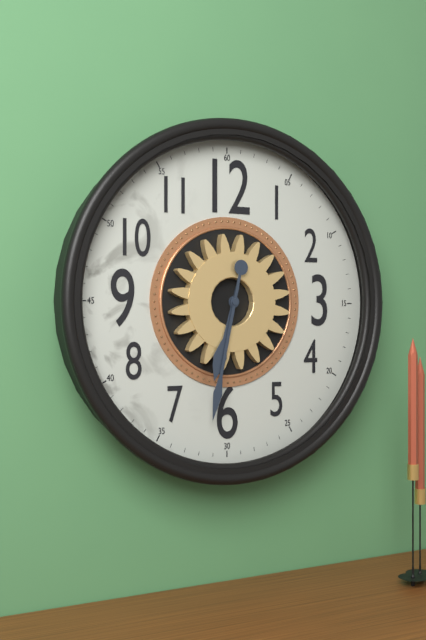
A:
6h32
